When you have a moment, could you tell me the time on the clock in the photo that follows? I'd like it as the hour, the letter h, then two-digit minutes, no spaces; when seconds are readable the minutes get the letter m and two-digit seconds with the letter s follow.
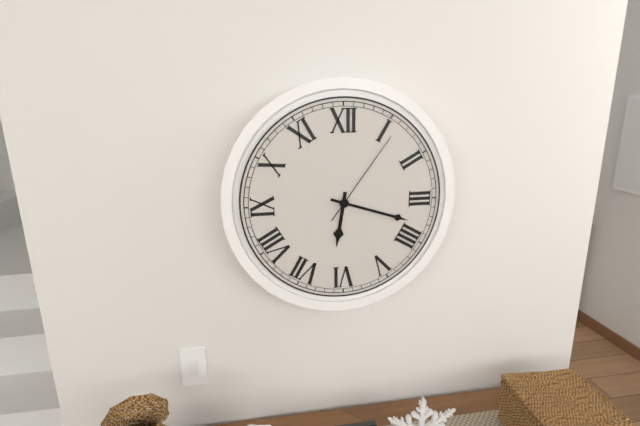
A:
6h18m06s
